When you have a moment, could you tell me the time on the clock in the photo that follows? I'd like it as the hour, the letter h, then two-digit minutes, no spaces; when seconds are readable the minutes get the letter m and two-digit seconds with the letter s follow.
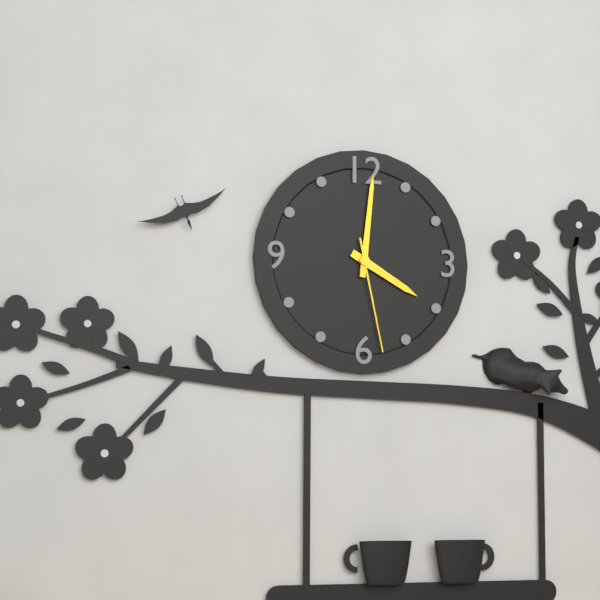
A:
4h01m28s
